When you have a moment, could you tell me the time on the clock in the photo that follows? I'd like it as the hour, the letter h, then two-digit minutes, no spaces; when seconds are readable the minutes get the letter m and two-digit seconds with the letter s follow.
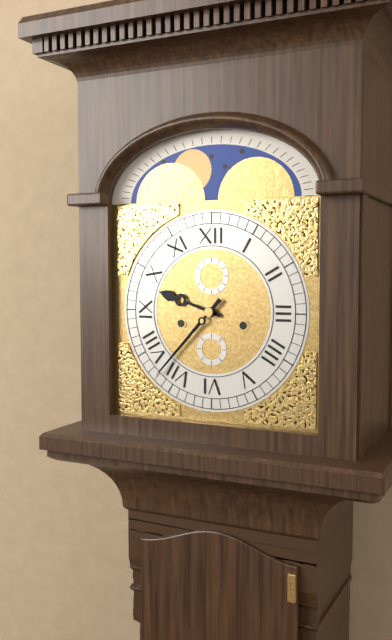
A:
9h37
